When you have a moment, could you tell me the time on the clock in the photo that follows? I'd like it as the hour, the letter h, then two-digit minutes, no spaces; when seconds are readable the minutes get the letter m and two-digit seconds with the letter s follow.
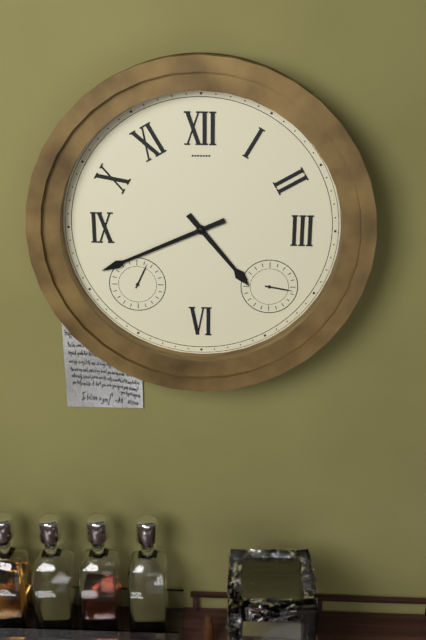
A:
4h41
